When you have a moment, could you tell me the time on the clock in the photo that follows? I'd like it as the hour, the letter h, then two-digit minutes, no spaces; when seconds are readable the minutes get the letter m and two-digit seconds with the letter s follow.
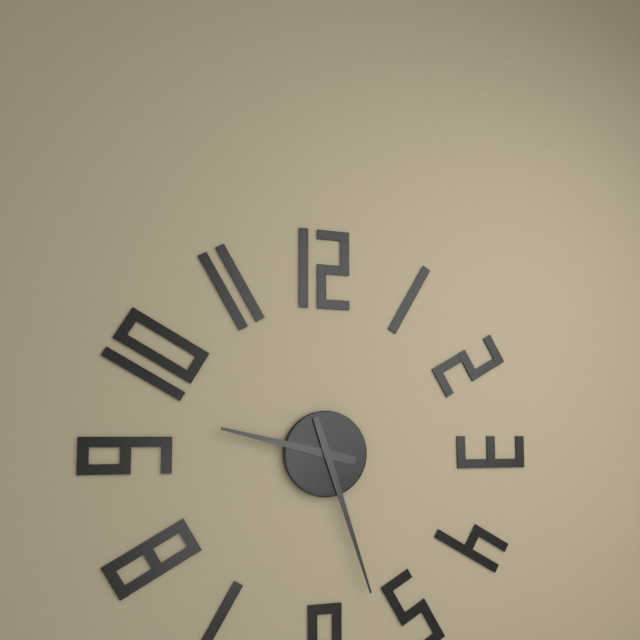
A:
9h27
